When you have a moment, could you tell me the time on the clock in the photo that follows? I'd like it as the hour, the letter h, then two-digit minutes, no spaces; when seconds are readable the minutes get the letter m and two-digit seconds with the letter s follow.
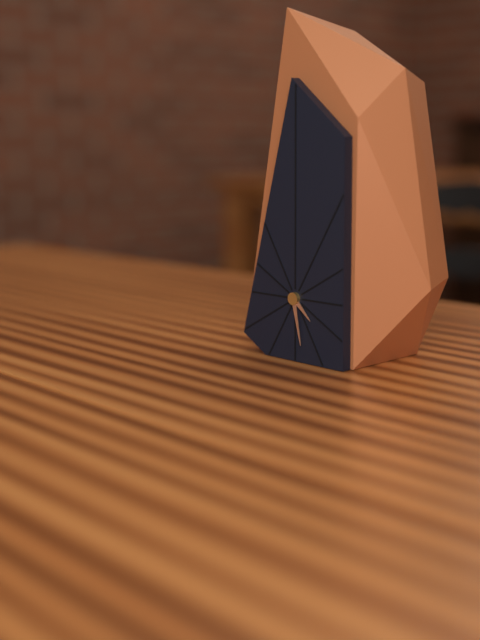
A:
4h28
